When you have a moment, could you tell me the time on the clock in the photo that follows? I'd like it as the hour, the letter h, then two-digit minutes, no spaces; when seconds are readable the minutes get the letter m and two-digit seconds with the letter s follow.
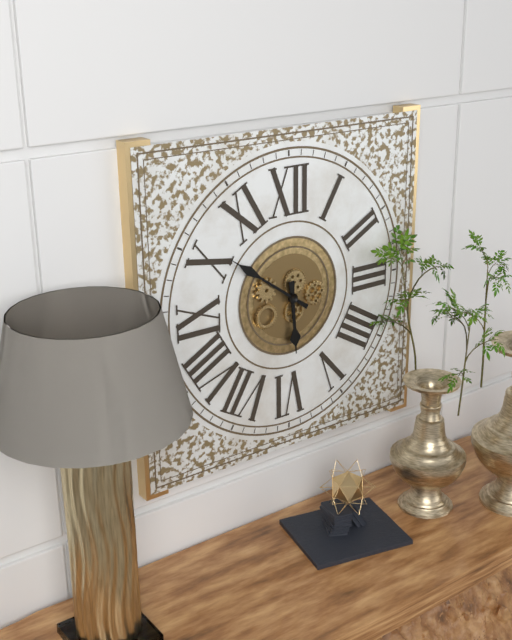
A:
5h51
